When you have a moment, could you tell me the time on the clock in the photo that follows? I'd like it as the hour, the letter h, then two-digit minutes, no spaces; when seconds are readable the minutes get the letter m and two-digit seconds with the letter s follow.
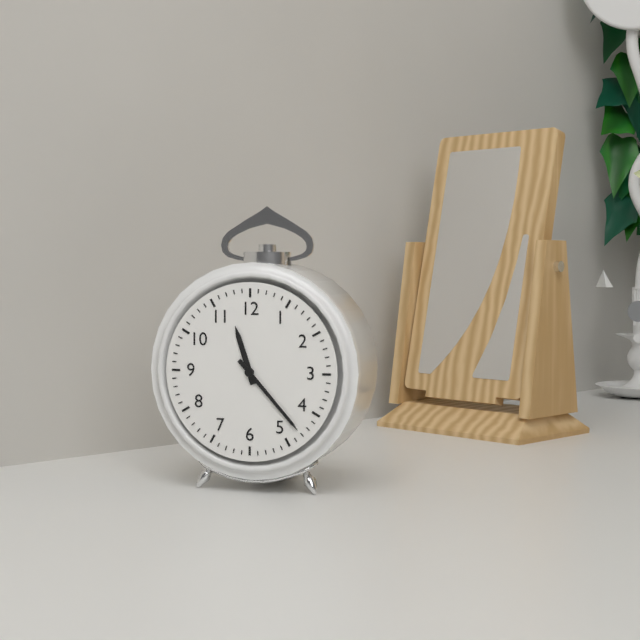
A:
11h23
